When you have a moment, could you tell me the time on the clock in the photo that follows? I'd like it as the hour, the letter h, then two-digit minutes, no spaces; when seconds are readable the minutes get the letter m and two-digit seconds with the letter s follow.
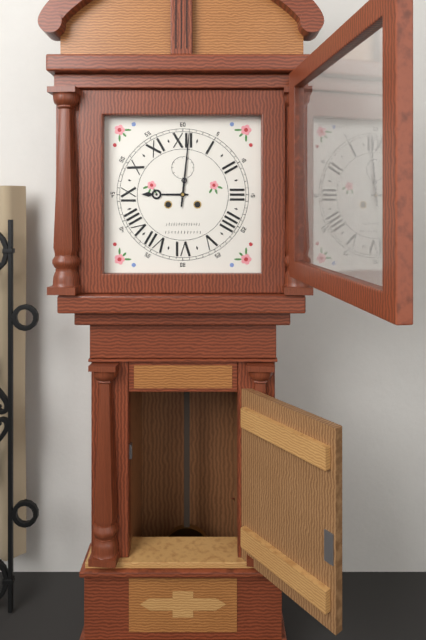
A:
9h01
